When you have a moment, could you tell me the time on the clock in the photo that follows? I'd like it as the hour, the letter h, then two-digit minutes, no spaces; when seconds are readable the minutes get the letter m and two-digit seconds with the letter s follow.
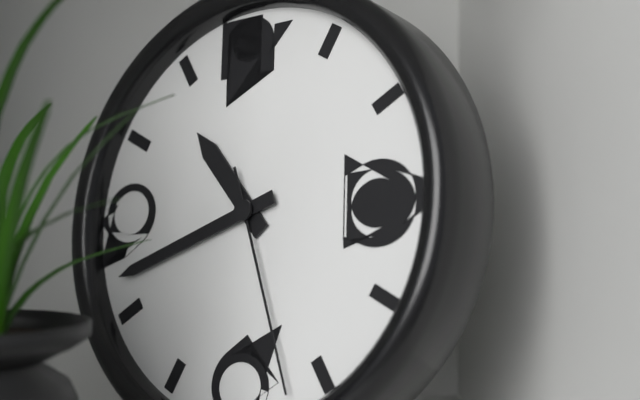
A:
10h42m27s
